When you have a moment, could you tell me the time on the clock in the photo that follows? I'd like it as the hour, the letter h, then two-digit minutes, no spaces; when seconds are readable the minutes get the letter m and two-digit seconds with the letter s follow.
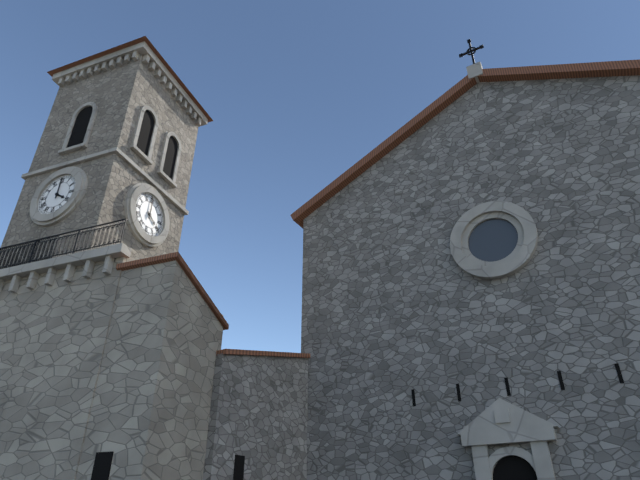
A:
4h00
